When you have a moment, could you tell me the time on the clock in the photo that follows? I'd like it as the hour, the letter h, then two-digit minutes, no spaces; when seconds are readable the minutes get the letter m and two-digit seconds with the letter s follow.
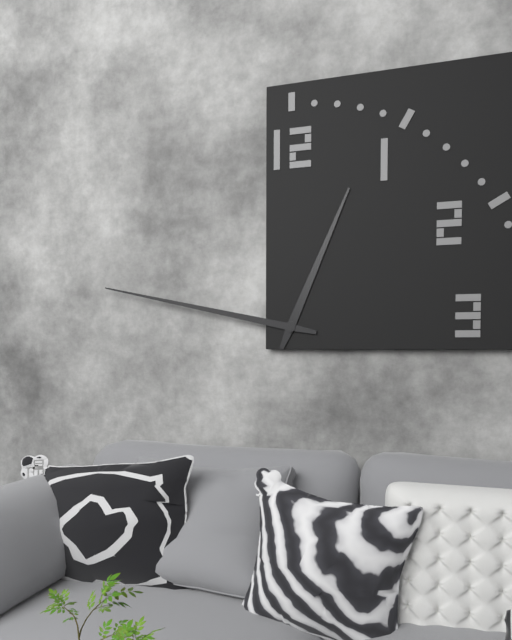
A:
12h47
